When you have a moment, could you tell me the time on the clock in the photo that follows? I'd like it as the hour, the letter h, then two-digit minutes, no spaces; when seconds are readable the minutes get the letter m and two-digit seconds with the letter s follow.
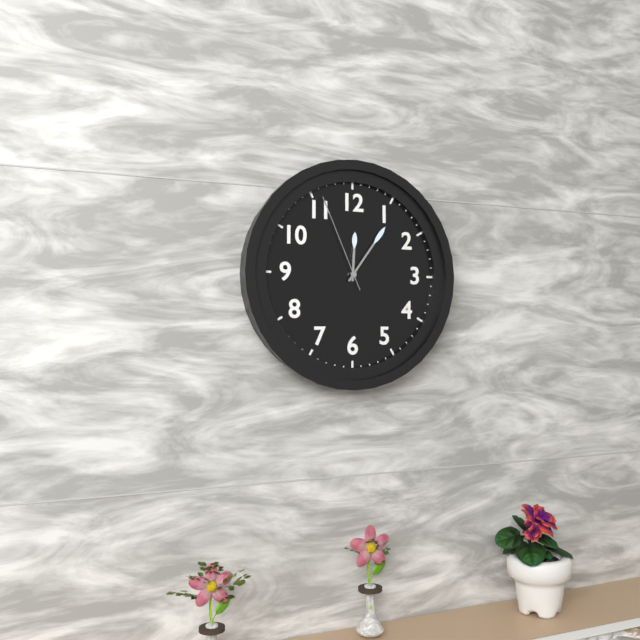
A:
12h06m56s
